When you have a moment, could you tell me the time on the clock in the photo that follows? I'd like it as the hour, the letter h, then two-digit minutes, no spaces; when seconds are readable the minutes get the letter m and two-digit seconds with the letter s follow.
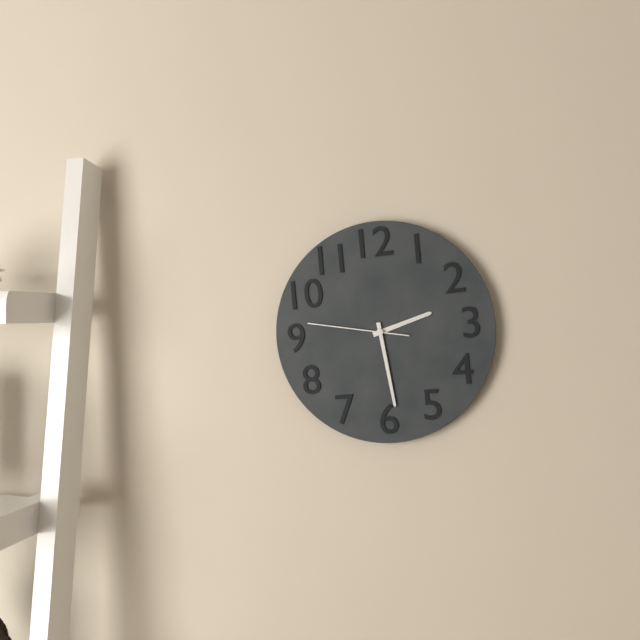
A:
2h29m47s
